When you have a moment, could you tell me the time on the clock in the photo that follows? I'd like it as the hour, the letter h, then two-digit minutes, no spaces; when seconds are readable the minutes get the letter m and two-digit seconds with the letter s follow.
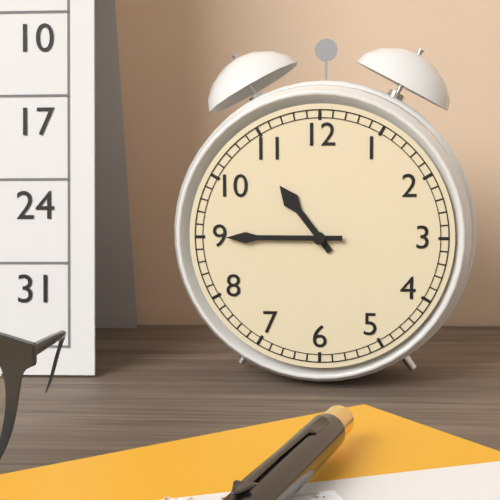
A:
10h45
